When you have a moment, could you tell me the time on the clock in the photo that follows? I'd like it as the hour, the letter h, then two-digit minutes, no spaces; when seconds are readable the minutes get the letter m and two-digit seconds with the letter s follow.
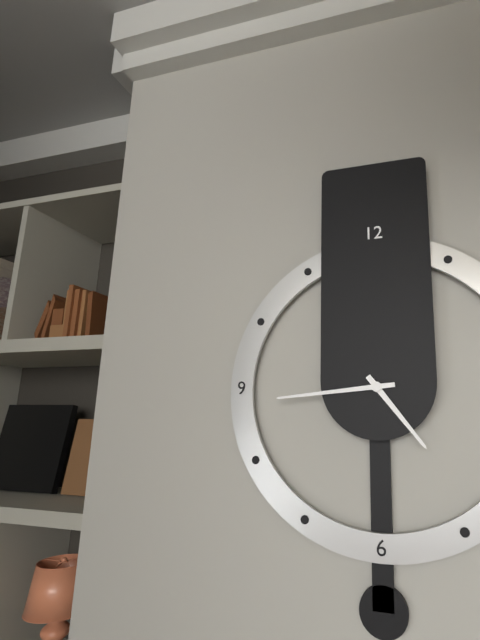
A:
4h44
